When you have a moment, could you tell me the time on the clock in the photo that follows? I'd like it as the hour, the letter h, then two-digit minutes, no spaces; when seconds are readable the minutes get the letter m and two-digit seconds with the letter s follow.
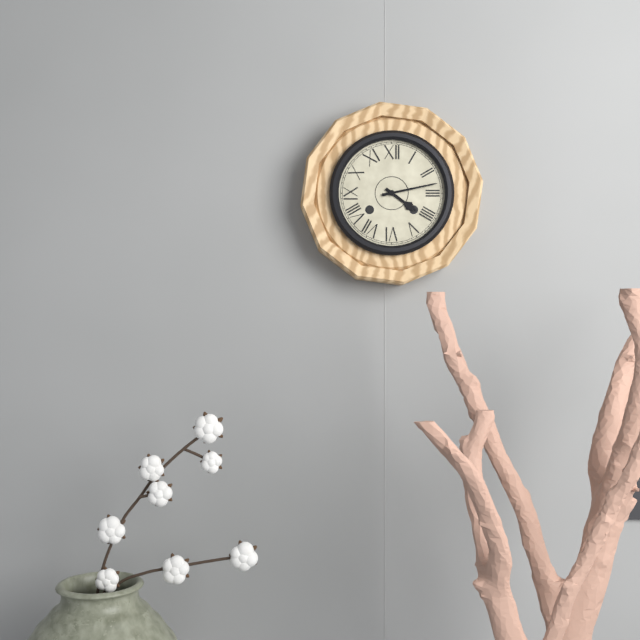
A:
4h13
